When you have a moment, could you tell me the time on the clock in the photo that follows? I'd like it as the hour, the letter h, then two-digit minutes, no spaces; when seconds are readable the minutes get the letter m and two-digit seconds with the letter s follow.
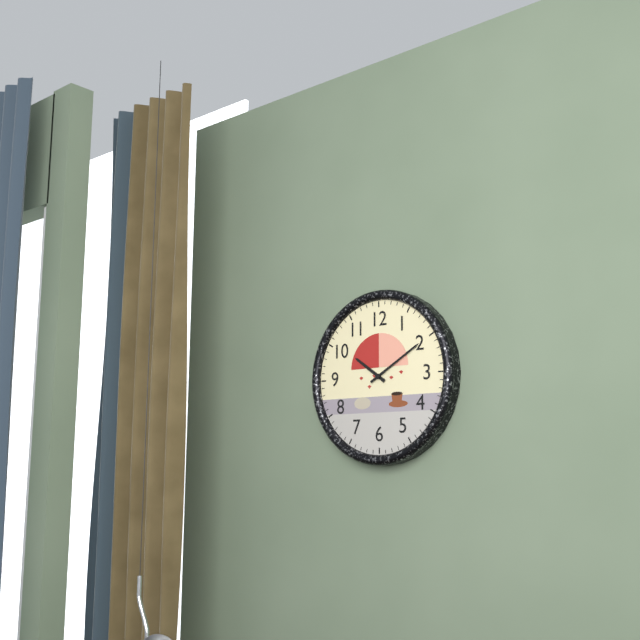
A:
10h10
